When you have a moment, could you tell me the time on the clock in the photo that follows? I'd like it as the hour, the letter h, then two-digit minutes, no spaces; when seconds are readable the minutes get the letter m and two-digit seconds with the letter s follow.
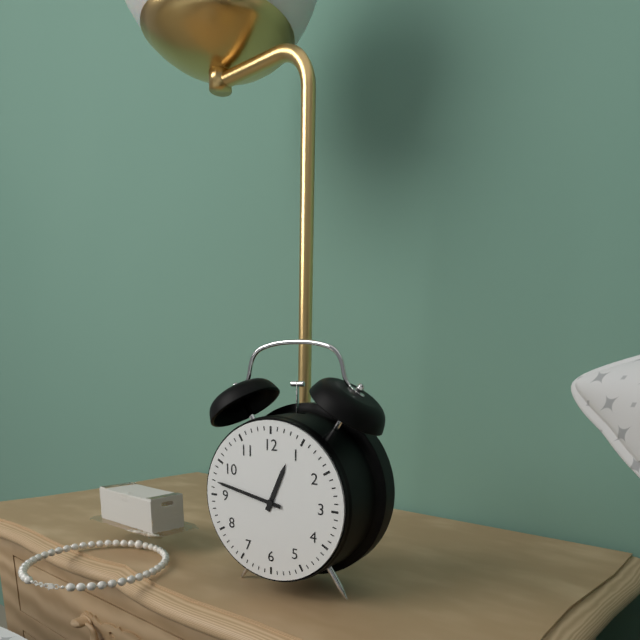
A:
12h47
